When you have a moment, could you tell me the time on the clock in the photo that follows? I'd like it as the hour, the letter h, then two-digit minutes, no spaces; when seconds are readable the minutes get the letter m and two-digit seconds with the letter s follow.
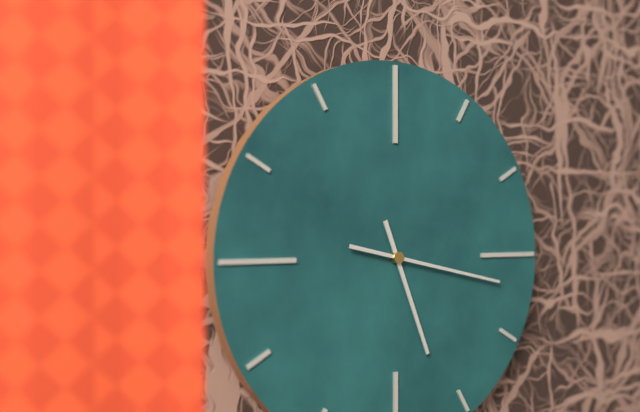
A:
5h17
